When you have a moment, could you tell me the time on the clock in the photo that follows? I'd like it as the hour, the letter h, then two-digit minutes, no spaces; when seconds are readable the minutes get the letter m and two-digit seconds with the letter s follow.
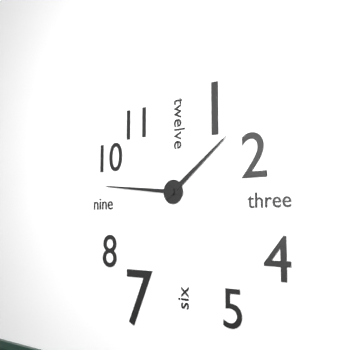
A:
1h46
